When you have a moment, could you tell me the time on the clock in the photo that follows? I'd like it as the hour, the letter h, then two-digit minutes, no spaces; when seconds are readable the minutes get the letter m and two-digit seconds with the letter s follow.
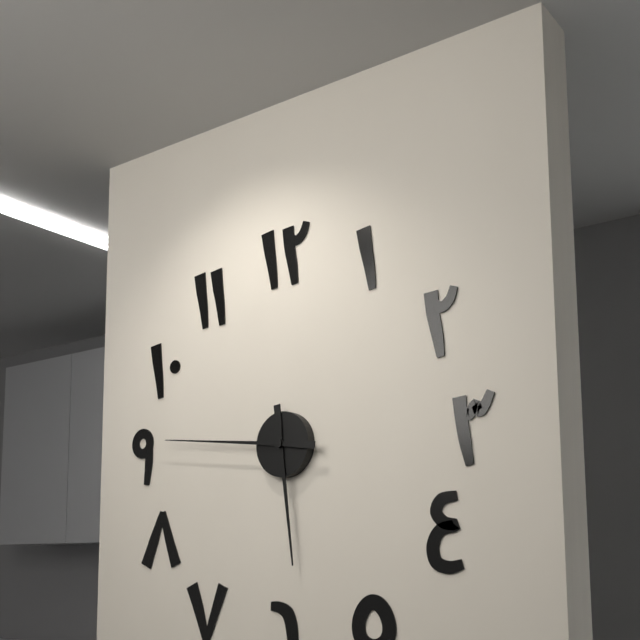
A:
5h46
